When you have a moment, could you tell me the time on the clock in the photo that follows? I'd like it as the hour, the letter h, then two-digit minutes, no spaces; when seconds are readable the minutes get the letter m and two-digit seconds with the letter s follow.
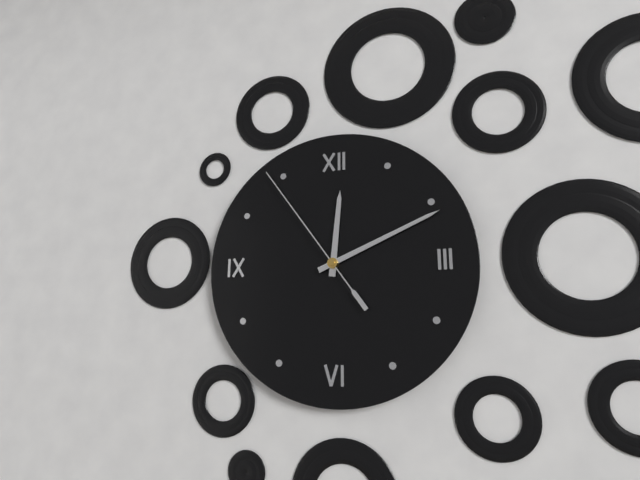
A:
12h11m54s
